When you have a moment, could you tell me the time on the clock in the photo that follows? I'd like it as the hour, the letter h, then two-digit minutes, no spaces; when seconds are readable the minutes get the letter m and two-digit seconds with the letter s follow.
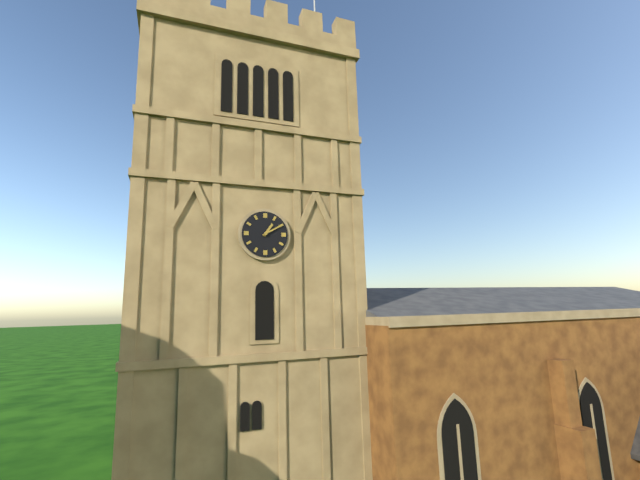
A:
1h10
